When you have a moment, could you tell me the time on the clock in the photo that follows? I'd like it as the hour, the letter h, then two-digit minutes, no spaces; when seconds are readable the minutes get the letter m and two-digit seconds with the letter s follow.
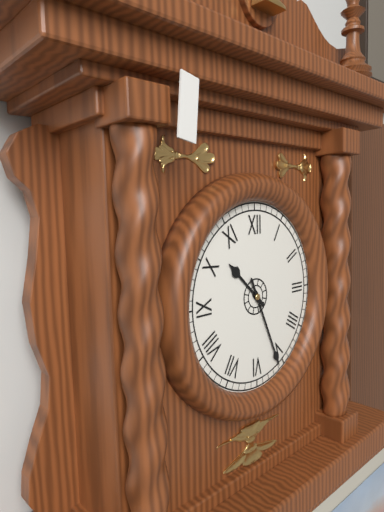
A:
10h26
